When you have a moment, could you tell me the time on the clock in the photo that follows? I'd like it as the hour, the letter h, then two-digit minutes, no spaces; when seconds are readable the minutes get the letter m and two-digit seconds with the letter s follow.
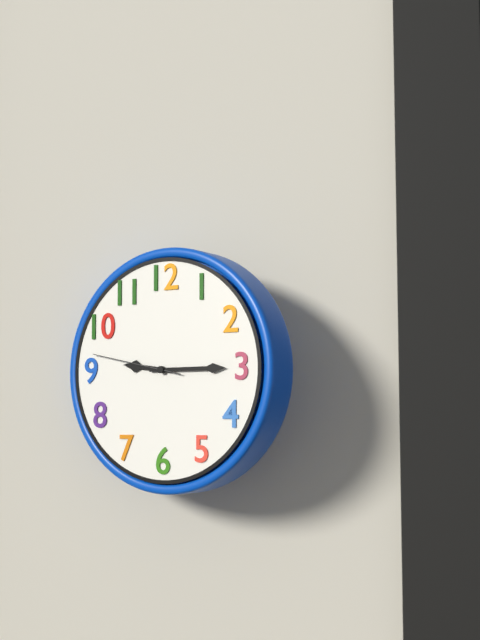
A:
9h15m47s
